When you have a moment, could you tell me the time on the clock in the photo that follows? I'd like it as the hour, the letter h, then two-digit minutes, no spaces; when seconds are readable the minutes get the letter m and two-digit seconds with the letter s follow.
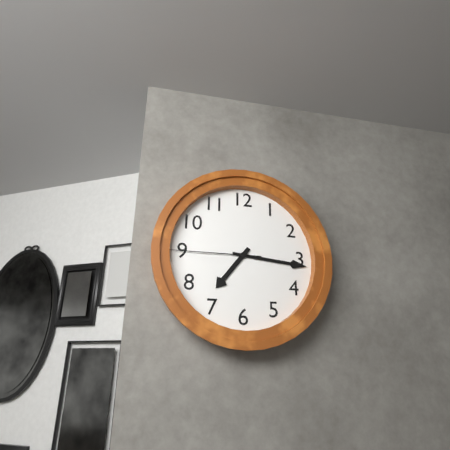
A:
7h16m45s
